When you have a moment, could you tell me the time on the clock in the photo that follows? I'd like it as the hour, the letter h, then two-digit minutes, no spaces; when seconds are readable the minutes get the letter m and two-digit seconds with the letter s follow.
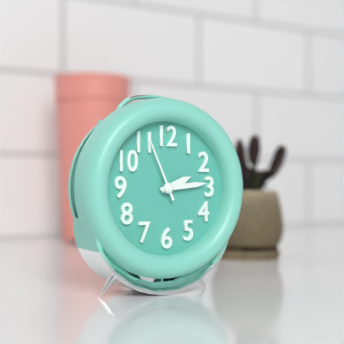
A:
2h14m56s
